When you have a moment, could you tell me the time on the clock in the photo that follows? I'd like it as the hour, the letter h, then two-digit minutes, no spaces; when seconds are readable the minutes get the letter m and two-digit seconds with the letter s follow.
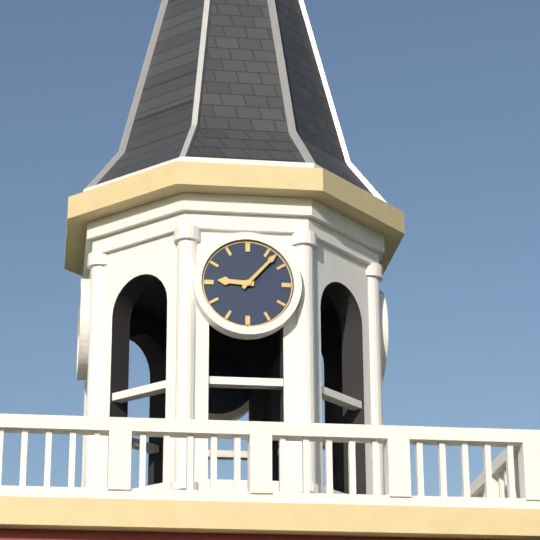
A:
9h07
